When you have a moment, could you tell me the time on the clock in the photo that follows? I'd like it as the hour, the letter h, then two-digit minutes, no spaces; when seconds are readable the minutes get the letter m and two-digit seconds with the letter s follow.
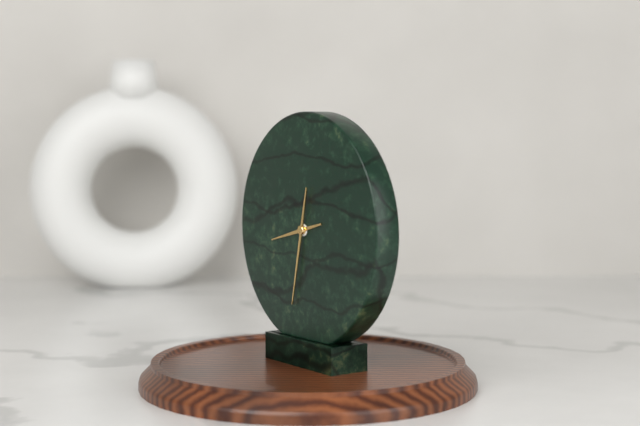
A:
8h32
